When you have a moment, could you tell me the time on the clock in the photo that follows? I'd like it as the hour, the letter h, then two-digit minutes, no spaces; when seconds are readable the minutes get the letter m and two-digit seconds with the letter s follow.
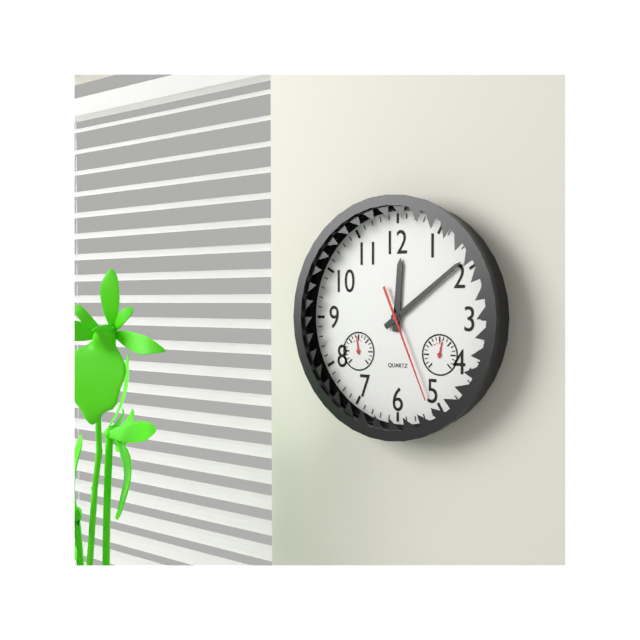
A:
12h09m26s
